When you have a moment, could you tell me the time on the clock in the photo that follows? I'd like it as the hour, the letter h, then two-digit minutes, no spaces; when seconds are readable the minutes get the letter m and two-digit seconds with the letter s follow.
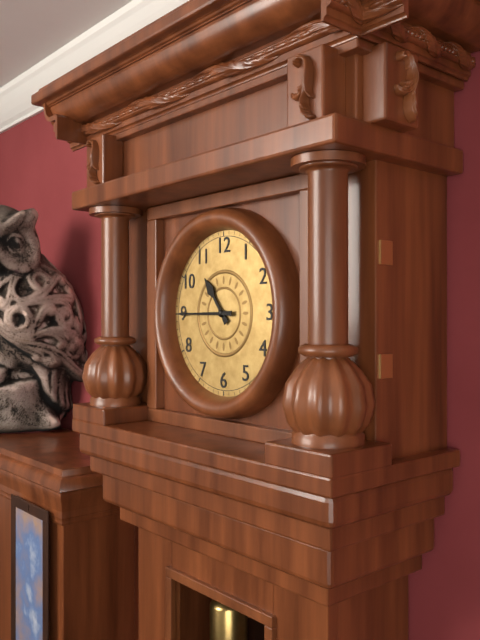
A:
10h45
